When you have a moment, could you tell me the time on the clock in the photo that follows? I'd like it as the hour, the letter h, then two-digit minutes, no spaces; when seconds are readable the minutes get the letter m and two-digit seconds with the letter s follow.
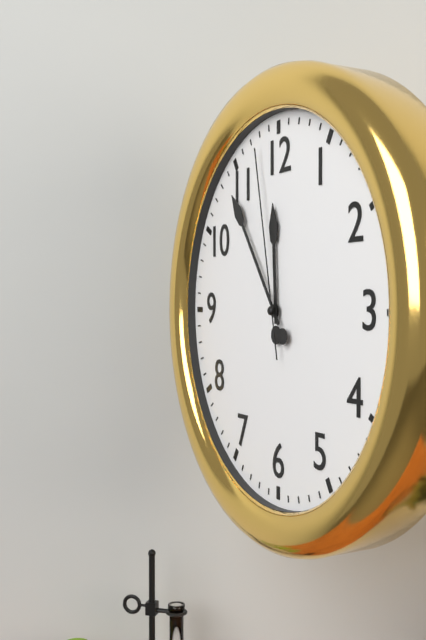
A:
11h54m58s
